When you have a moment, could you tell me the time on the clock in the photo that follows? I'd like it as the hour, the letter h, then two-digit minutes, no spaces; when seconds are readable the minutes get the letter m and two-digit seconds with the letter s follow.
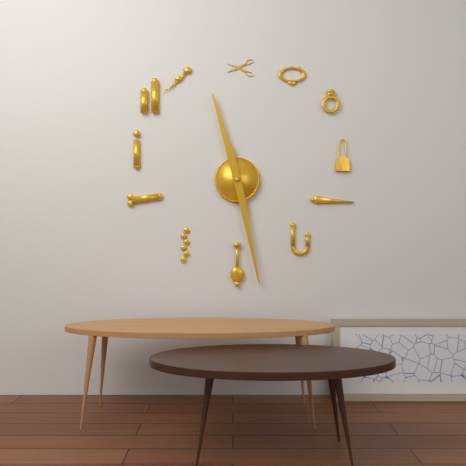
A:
11h28
